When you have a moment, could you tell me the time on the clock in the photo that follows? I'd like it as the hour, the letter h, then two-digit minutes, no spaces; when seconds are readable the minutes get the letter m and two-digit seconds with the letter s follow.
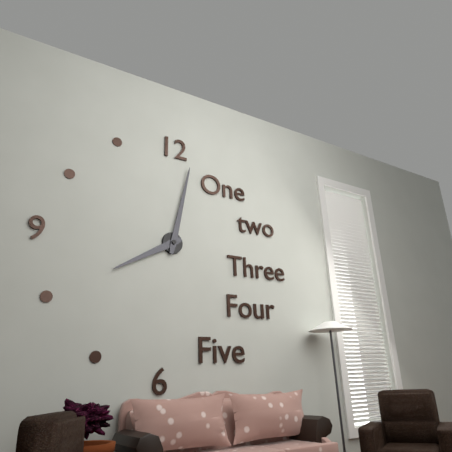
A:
8h02
